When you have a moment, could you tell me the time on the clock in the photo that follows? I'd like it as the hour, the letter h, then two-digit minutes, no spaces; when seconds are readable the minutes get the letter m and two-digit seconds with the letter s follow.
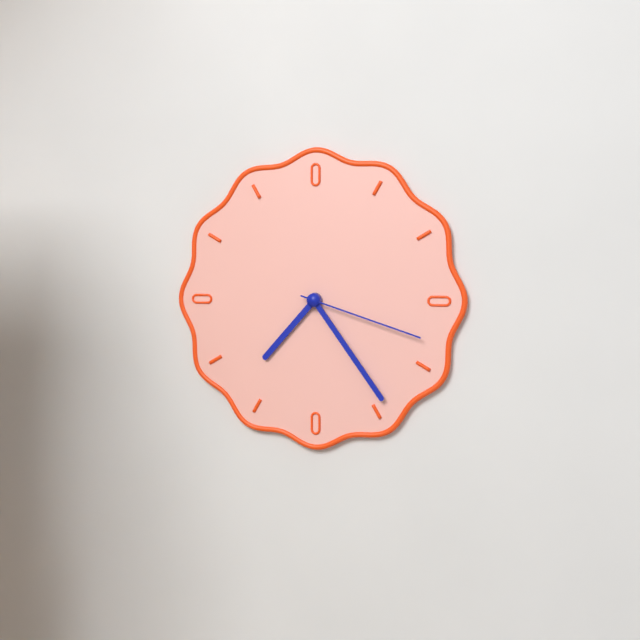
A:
7h24m18s
